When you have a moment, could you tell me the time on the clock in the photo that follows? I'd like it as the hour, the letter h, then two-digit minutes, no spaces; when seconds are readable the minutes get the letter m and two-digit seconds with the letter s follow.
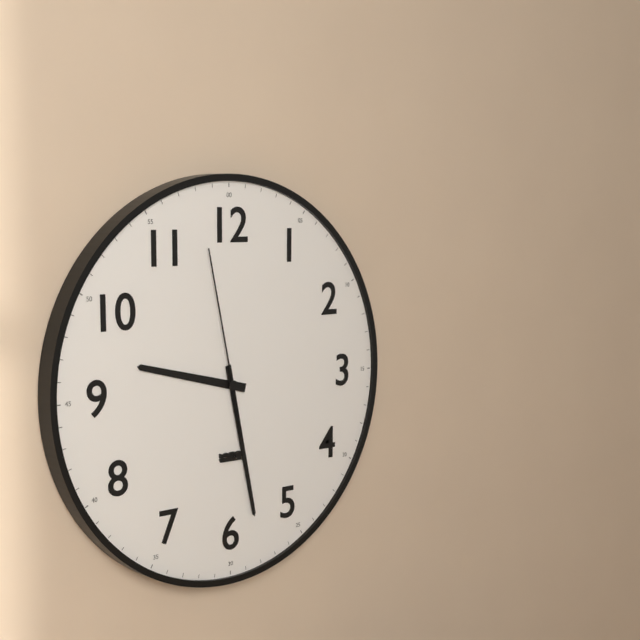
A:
9h28m58s
